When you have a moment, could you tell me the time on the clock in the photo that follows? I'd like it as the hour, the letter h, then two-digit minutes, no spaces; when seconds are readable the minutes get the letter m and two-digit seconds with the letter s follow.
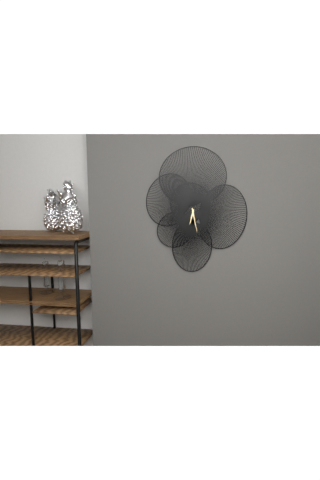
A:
6h28
